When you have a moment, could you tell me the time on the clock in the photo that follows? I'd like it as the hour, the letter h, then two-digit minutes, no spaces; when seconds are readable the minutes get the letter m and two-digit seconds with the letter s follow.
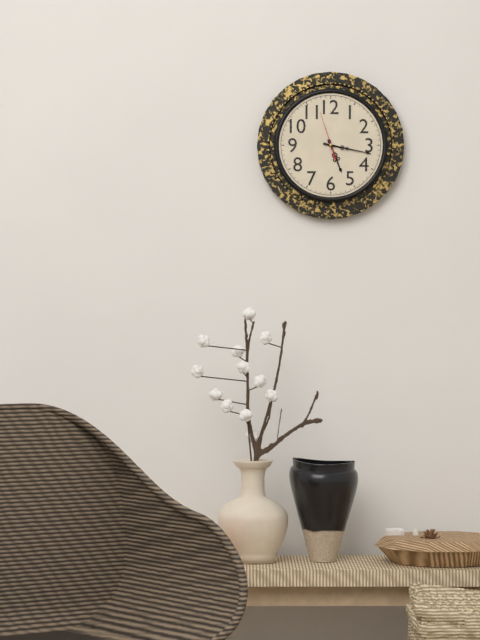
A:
5h17
